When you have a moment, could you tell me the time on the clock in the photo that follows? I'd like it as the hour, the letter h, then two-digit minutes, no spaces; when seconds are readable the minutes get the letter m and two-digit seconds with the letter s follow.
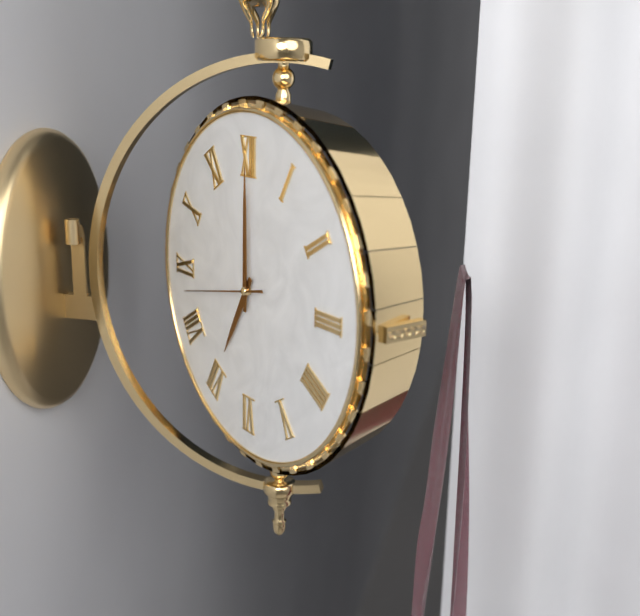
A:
7h00m43s
